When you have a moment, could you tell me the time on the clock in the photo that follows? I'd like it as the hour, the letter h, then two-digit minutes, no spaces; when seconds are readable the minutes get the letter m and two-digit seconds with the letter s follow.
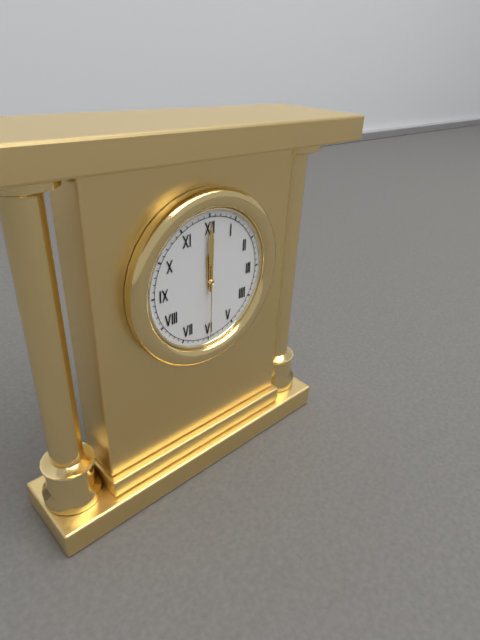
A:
12h00m30s
